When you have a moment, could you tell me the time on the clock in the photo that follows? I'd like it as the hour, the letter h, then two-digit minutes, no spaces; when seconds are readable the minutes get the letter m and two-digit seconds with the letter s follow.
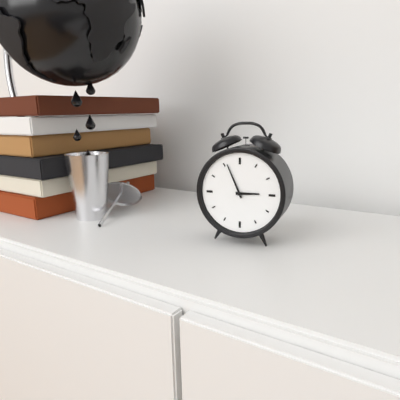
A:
2h56
